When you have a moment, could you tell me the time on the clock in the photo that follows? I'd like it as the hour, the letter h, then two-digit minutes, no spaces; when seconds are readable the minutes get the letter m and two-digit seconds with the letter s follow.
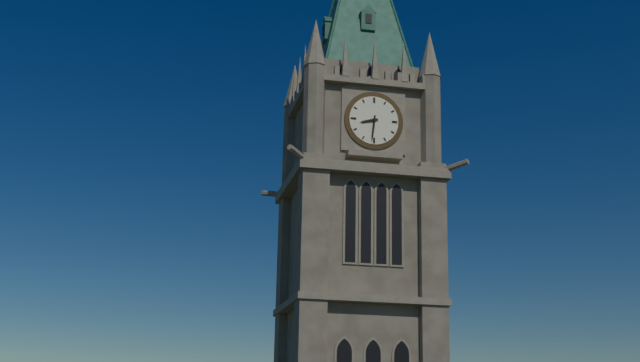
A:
8h31
